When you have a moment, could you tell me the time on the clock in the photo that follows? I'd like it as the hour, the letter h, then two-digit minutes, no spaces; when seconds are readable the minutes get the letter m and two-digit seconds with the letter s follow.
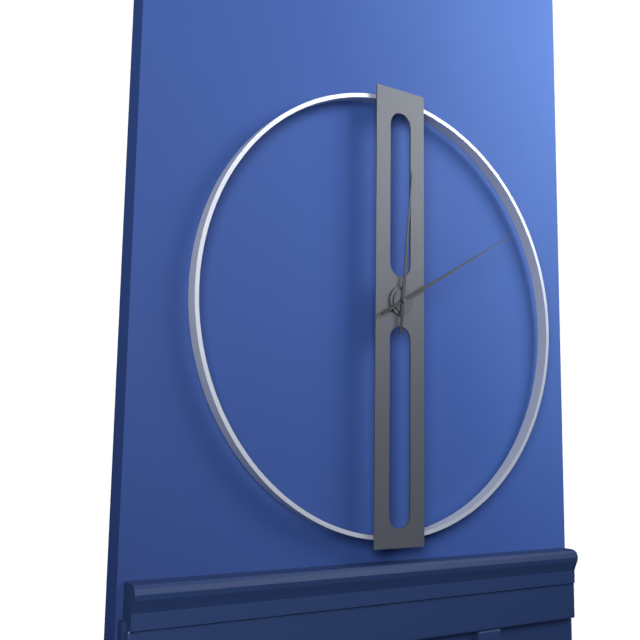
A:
12h10
